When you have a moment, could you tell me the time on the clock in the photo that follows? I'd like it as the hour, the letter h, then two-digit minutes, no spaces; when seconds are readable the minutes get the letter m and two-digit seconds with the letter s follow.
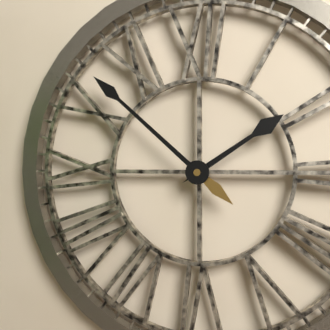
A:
1h52
